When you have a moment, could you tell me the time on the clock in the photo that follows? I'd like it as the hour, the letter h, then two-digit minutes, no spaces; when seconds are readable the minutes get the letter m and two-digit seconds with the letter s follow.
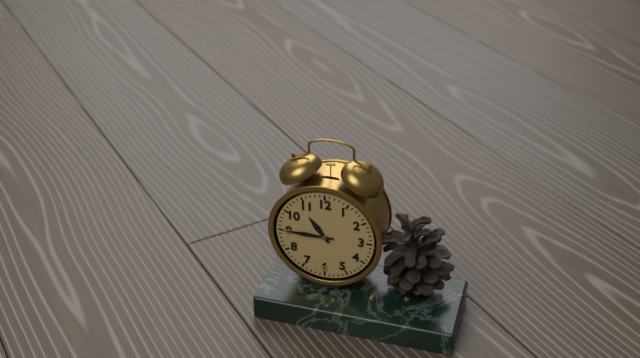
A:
10h45
